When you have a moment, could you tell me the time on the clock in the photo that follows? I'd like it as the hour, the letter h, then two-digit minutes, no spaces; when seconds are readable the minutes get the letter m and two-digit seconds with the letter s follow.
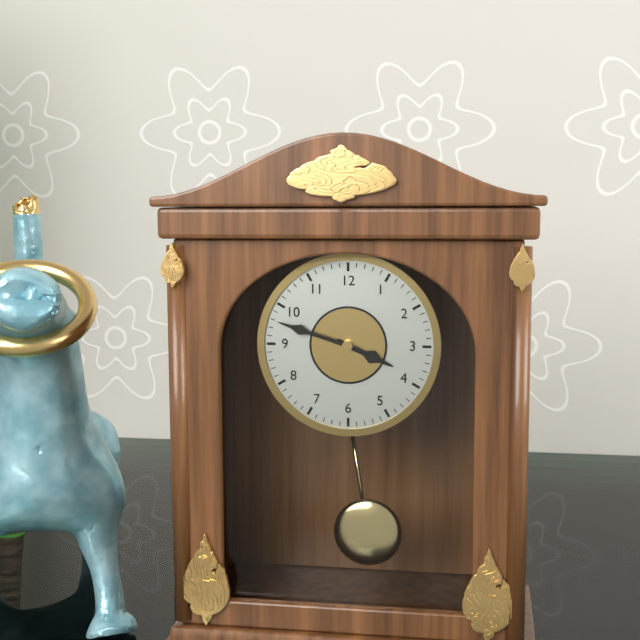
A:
3h48
